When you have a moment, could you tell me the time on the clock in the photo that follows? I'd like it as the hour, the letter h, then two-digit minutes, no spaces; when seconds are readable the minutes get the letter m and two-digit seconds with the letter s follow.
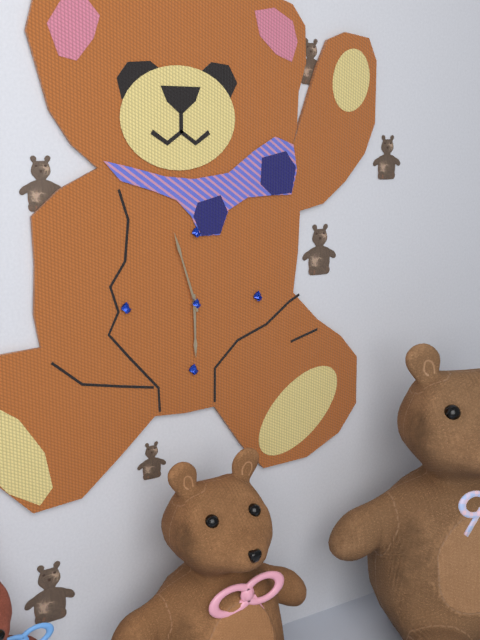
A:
5h57
